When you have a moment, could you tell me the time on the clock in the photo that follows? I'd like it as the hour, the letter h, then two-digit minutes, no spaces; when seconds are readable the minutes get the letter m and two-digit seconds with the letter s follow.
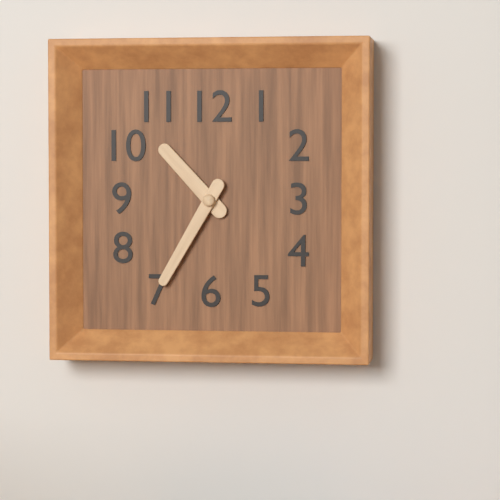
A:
10h35
